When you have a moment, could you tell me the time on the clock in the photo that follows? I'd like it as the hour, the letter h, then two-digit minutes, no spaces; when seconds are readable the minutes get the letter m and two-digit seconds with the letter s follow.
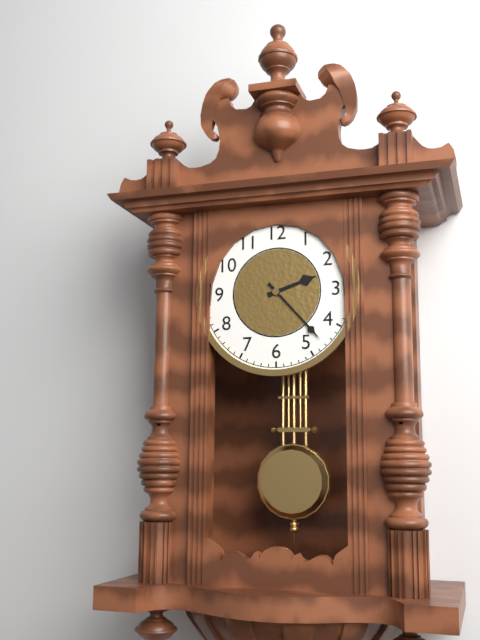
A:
2h23
